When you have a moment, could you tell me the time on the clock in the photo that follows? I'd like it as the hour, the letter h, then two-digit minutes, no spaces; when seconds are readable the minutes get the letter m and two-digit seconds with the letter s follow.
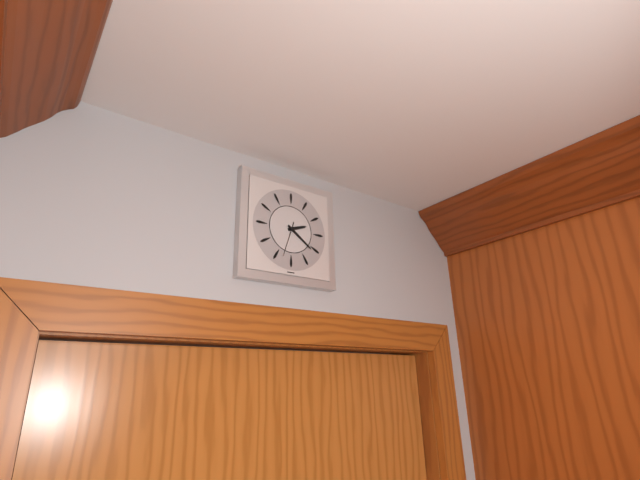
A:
2h21
